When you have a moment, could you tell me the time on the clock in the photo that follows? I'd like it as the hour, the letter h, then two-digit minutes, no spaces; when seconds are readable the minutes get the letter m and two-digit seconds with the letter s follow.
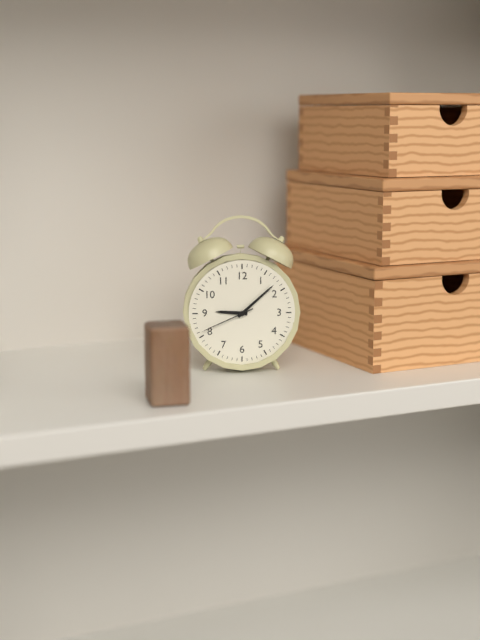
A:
9h08m41s
